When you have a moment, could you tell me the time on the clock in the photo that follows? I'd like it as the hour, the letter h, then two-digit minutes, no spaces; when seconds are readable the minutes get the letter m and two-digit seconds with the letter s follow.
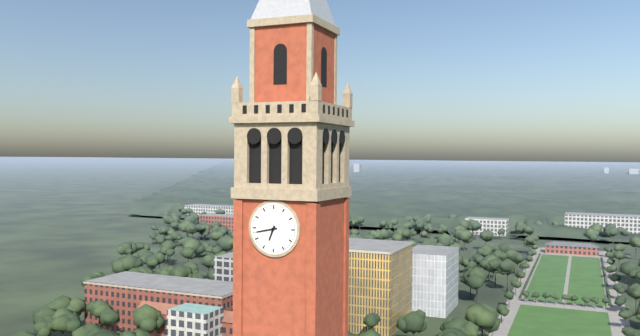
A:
6h43
